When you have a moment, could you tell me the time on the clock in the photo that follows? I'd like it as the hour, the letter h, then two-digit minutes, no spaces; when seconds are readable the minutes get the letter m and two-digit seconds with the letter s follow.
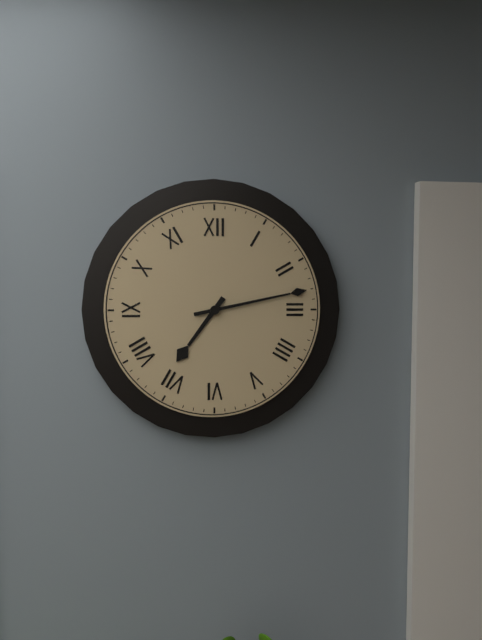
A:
7h13
